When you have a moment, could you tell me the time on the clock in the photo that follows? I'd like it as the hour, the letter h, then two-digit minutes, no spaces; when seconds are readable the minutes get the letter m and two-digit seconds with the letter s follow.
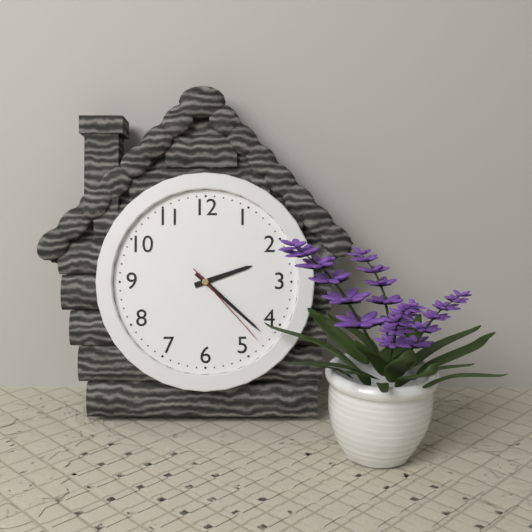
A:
2h22m23s
